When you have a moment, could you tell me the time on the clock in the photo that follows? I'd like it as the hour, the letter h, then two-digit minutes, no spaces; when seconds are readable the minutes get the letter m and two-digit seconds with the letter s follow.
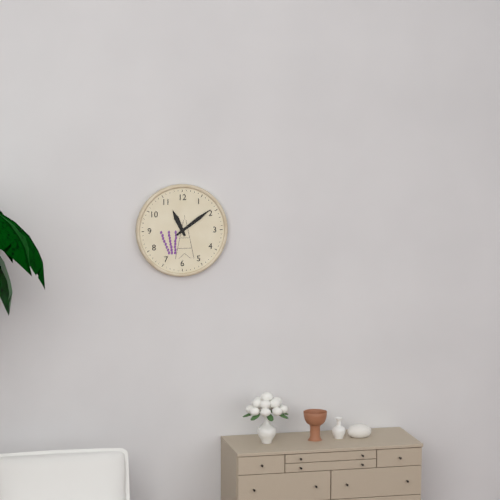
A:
11h09
